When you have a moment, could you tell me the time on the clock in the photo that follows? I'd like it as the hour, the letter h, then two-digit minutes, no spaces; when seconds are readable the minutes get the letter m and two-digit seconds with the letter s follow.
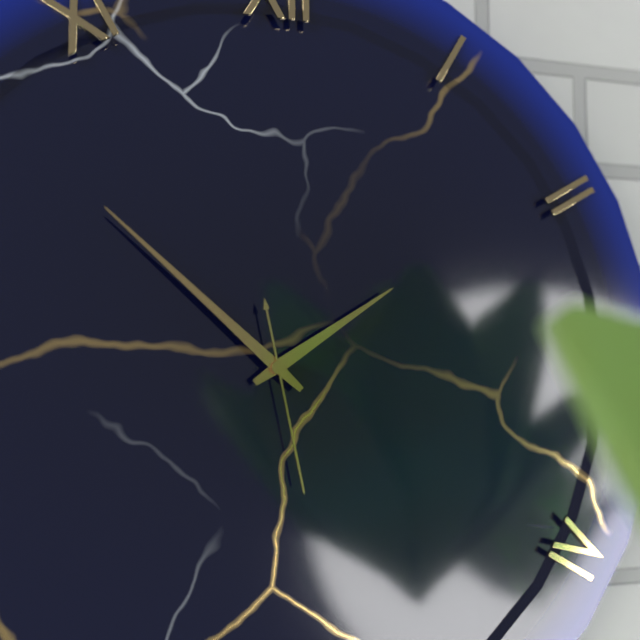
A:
1h52m28s
